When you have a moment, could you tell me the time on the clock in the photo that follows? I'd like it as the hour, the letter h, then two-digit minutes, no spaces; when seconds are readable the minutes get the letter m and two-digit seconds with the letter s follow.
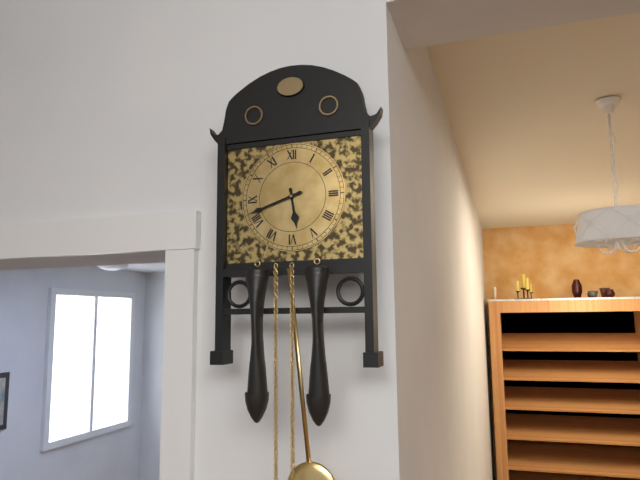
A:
5h42
